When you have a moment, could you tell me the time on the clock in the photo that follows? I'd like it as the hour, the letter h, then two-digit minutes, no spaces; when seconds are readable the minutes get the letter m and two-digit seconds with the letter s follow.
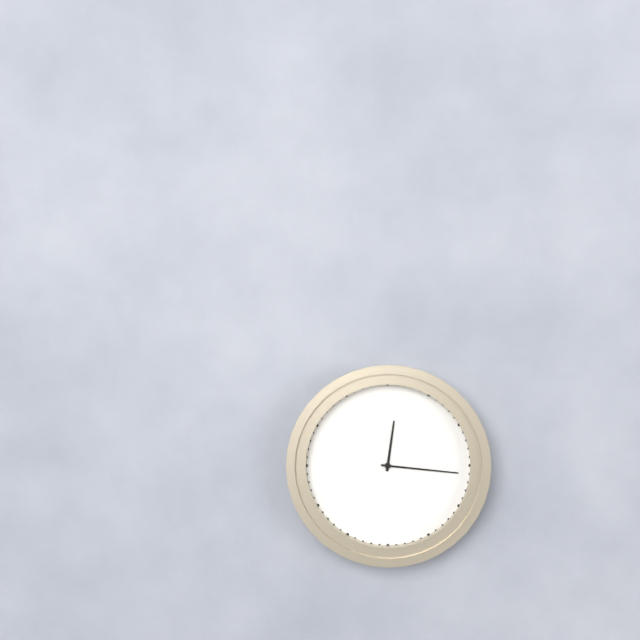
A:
12h16
